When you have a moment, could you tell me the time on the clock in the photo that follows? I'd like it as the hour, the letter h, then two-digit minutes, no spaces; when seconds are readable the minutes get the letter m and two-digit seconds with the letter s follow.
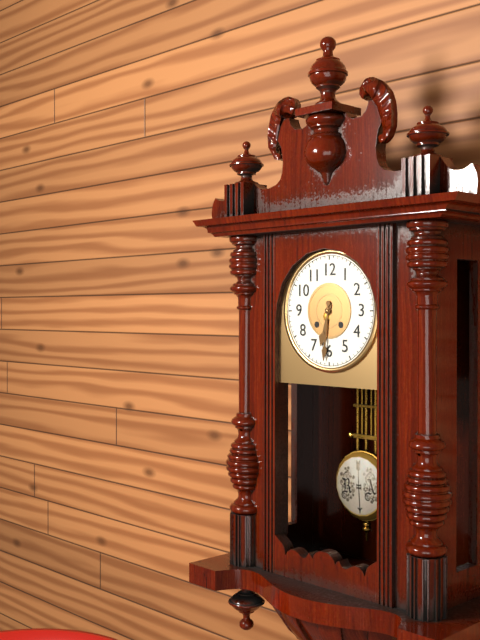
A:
6h31
